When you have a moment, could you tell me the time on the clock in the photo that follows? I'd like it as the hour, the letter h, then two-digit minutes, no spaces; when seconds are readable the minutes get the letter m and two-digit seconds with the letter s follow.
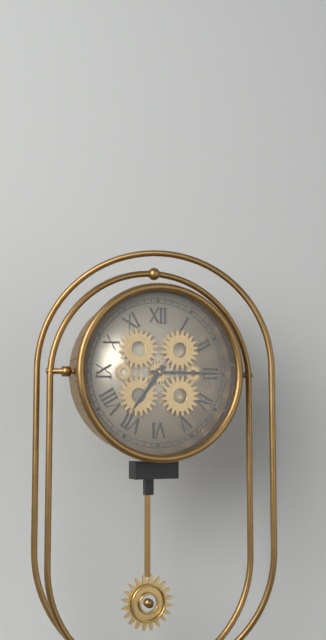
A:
7h15
